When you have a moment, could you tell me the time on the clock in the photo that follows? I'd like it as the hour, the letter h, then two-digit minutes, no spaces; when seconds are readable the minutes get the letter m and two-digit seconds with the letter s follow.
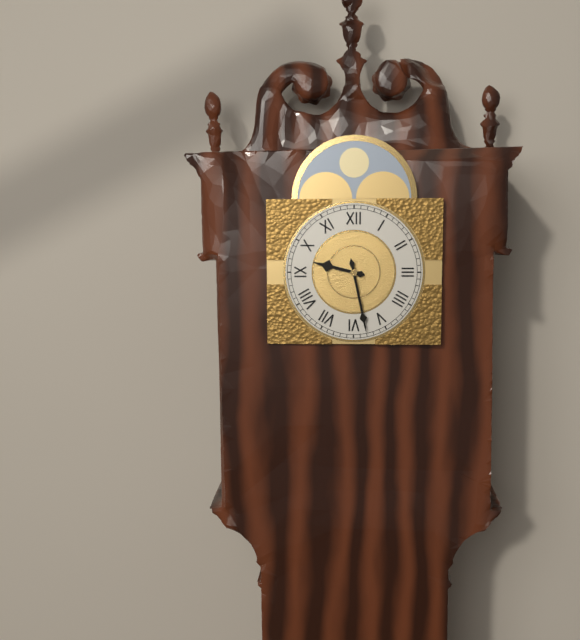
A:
9h28
